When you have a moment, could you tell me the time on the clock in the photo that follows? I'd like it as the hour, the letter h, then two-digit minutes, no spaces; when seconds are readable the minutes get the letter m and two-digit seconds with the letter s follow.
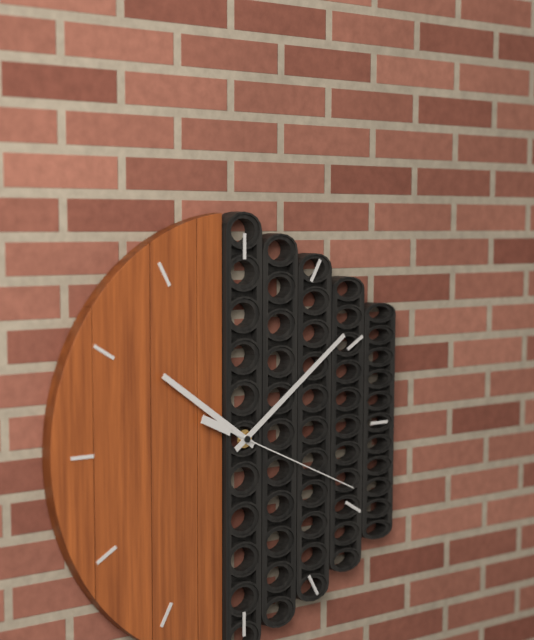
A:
10h09m19s
